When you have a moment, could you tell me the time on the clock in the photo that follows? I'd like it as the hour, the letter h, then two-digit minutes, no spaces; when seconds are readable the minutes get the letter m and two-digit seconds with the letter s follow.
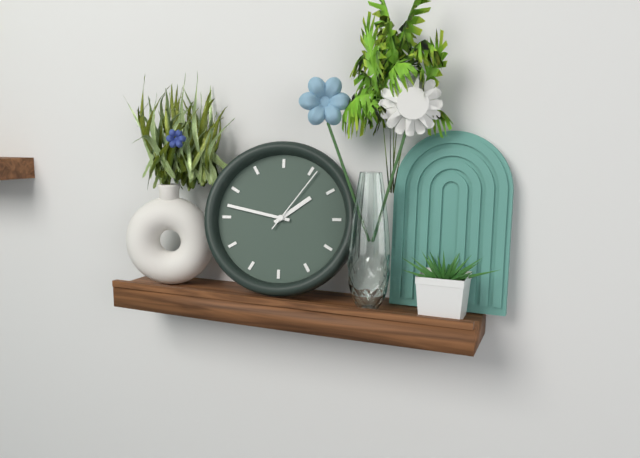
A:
1h47m06s
